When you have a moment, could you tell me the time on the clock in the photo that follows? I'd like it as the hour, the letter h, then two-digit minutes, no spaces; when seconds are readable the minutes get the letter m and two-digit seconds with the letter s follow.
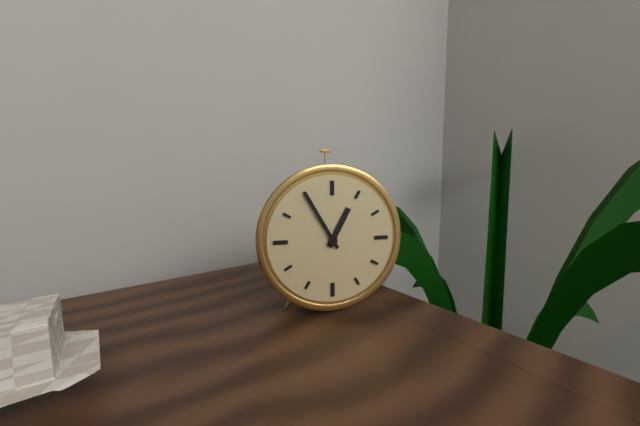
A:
12h55
